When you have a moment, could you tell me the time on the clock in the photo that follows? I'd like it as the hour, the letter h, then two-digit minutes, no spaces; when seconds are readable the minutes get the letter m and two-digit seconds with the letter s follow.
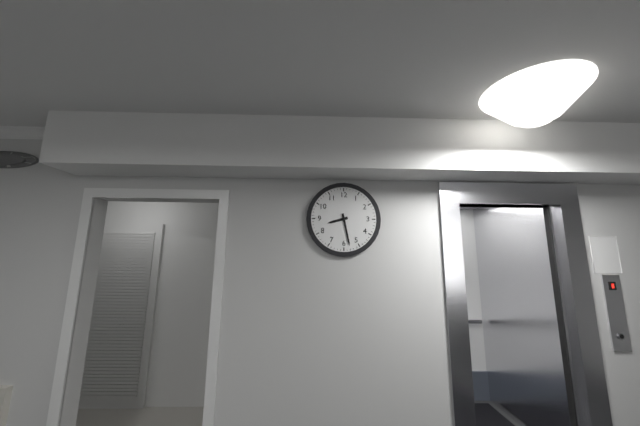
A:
8h28
